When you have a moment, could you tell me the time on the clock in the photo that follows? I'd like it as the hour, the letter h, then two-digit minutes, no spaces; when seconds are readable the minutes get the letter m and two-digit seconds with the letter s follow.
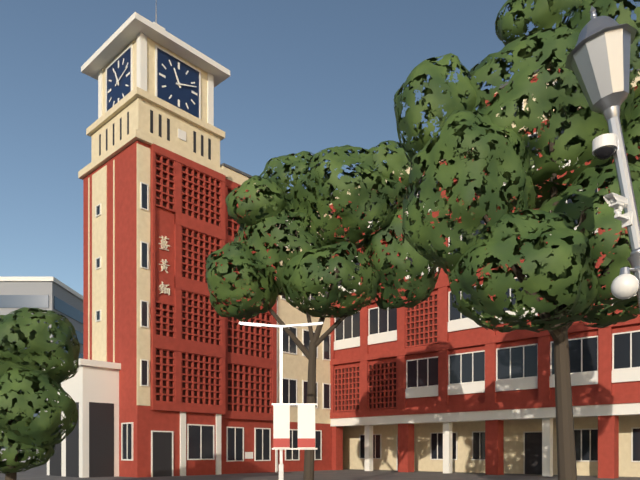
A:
11h12
